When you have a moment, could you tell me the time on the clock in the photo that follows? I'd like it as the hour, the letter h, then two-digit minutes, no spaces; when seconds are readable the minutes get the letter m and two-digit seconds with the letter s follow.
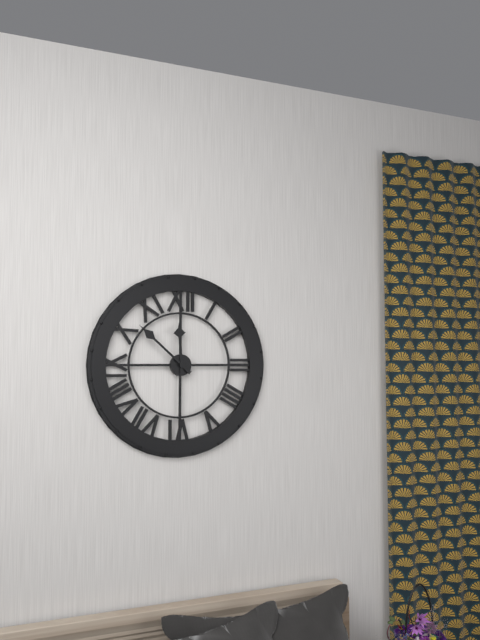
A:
11h52
